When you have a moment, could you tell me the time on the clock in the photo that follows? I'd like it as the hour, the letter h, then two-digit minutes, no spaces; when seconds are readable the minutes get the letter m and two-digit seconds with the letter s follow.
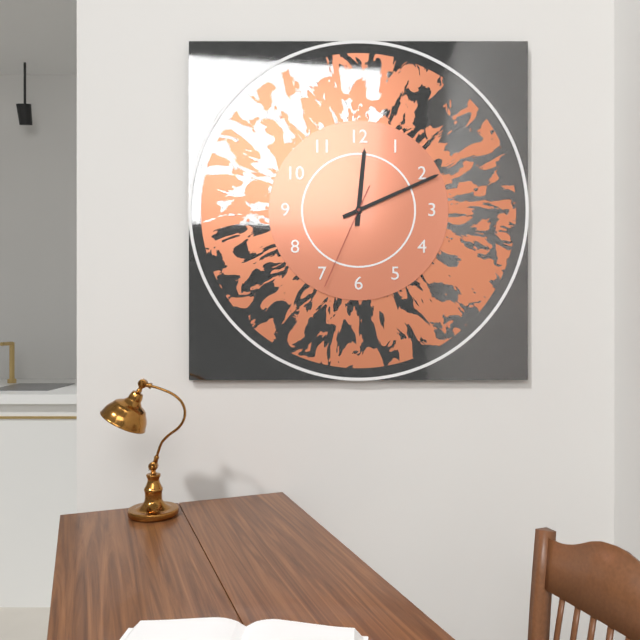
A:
12h11m34s
